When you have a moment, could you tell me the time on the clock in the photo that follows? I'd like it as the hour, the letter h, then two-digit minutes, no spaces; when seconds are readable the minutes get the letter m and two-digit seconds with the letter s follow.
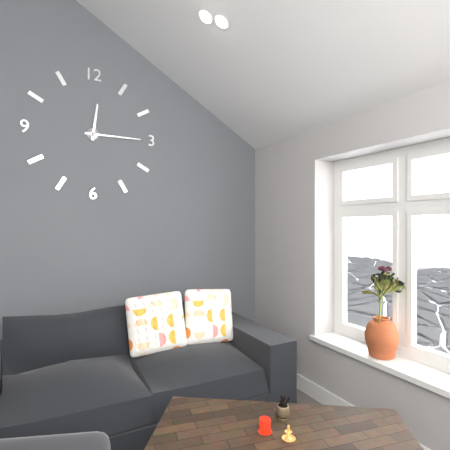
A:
12h15
